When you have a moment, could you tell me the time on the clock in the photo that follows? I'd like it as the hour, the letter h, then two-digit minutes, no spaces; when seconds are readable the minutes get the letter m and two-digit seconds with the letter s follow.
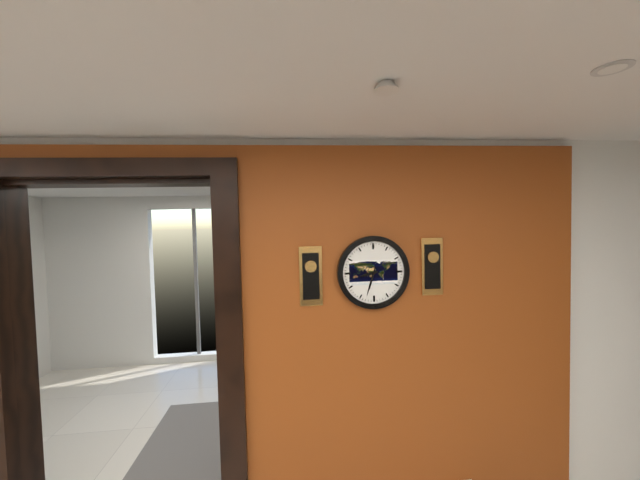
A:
8h33
